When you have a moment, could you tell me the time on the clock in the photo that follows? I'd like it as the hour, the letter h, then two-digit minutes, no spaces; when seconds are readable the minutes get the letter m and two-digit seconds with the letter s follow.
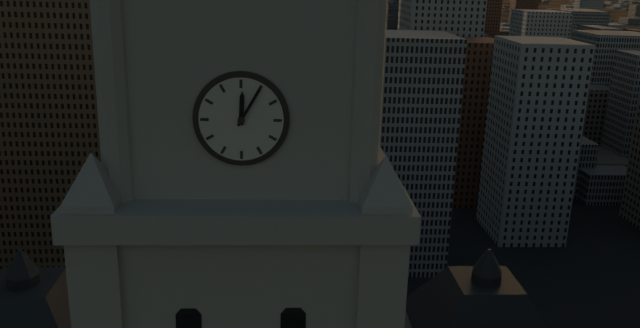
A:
12h05
